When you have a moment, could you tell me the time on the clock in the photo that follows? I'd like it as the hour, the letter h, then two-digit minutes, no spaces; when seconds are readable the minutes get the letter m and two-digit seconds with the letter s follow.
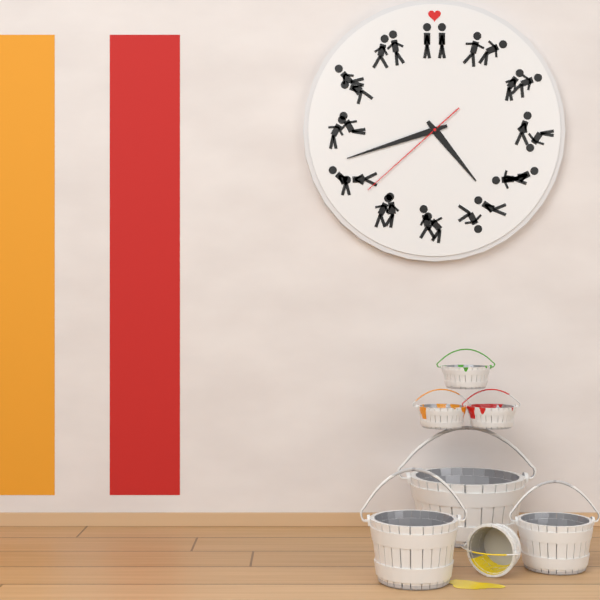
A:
4h42m38s
